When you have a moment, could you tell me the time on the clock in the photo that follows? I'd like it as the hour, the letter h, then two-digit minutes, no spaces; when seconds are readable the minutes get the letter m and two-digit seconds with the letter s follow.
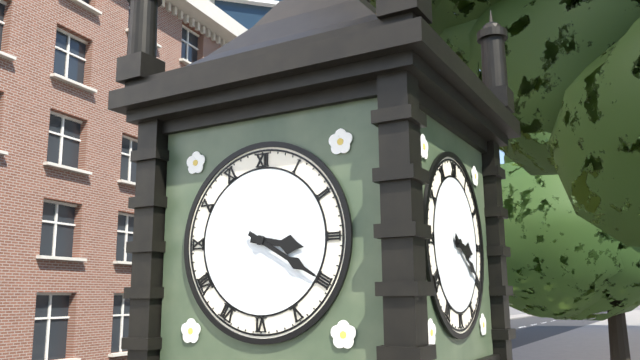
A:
3h20
